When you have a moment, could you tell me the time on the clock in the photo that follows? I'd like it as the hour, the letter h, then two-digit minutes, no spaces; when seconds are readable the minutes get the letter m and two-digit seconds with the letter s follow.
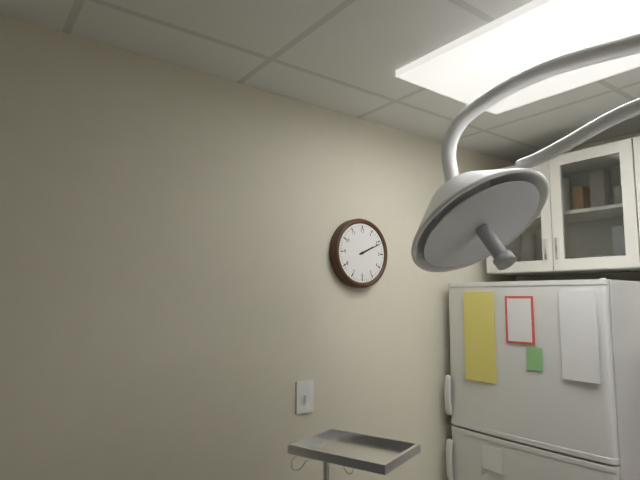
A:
2h11
